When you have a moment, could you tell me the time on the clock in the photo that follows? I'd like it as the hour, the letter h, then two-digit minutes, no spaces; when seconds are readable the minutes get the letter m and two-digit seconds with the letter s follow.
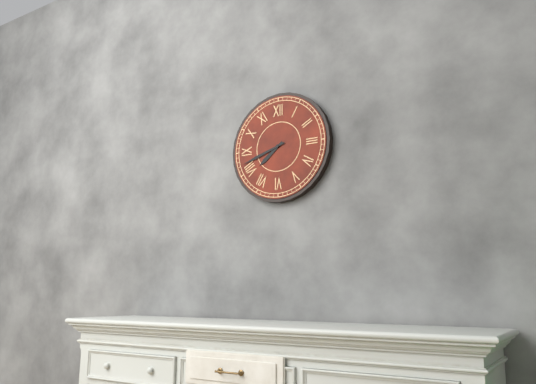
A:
7h42
